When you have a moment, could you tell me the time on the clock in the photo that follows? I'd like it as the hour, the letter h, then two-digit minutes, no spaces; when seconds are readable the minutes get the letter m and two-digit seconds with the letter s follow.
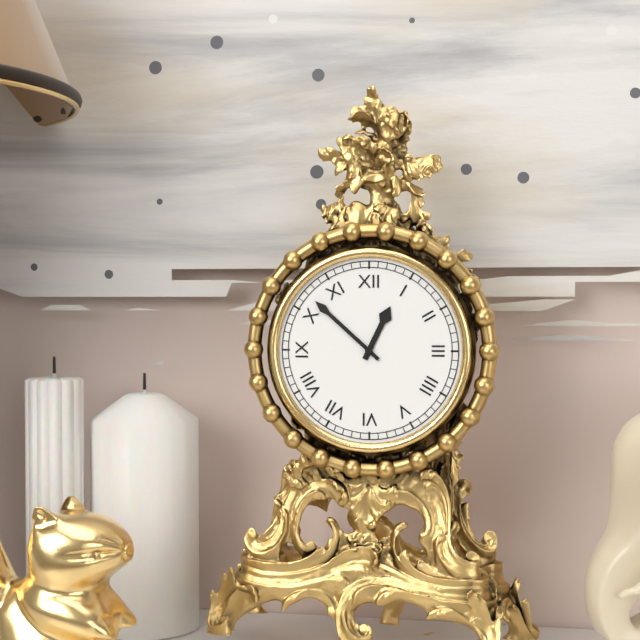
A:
12h52
